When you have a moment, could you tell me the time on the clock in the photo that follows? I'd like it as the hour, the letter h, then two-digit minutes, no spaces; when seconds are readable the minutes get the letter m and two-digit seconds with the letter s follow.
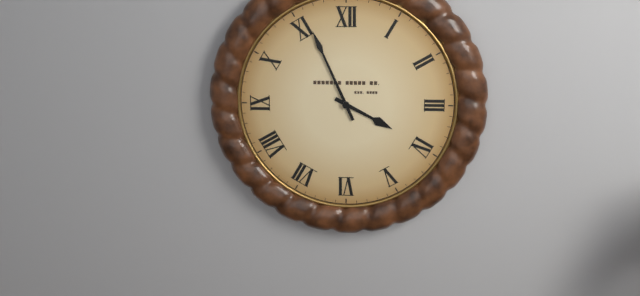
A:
3h56
